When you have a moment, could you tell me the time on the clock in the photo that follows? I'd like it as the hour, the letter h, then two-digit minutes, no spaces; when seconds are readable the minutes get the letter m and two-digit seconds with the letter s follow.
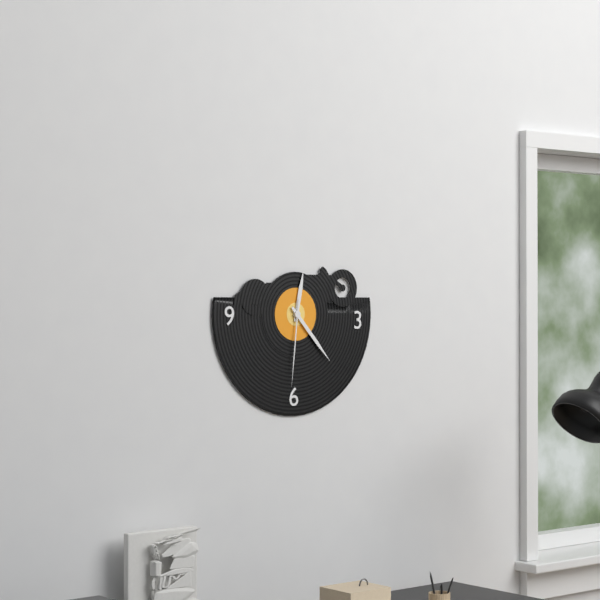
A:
12h23m31s
